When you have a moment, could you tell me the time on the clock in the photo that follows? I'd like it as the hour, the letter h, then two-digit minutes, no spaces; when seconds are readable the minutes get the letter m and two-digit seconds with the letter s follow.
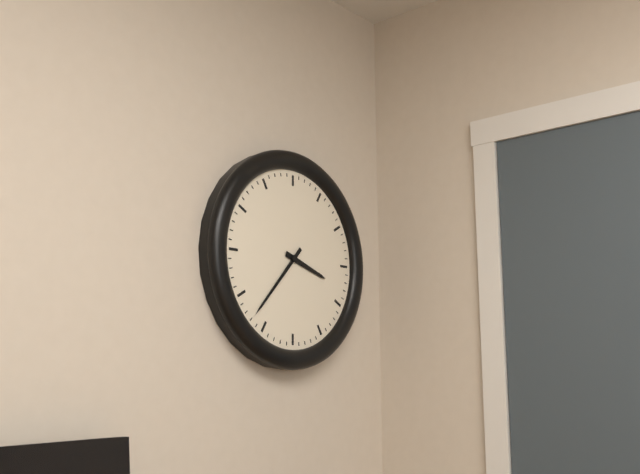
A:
3h37
